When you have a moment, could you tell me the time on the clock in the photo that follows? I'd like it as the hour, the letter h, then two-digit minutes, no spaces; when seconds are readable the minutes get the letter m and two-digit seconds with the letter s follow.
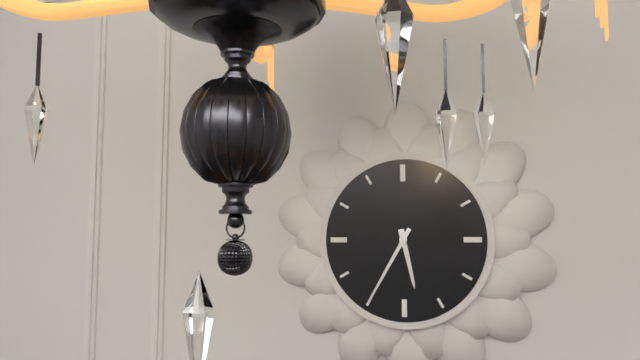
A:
5h35
